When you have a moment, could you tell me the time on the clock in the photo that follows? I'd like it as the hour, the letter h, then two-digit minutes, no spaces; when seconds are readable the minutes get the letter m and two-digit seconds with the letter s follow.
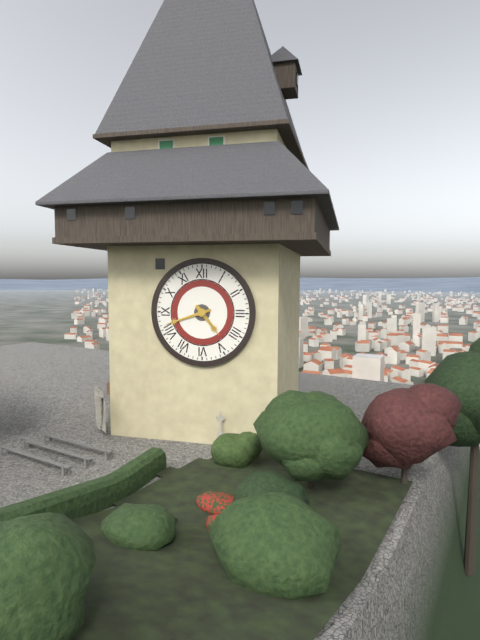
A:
4h42
